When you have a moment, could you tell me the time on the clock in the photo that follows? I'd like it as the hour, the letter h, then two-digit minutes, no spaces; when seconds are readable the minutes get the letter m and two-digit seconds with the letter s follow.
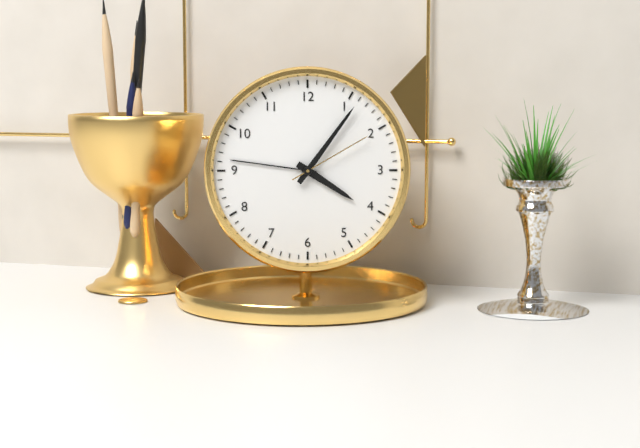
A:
4h06m10s
